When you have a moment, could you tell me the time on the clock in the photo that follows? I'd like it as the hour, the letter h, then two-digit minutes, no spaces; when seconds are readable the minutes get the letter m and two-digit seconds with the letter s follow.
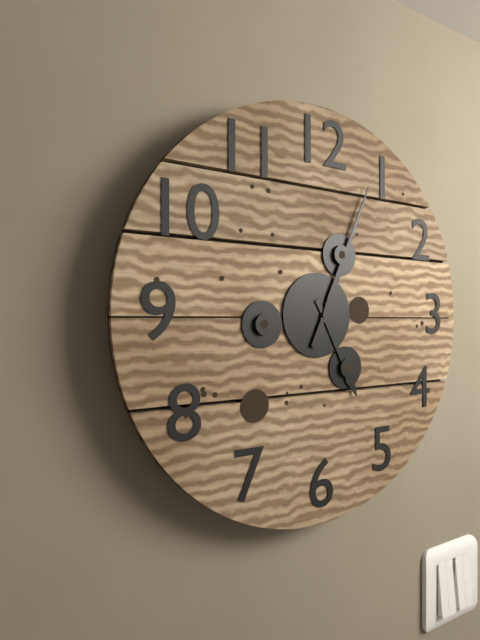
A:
5h04
